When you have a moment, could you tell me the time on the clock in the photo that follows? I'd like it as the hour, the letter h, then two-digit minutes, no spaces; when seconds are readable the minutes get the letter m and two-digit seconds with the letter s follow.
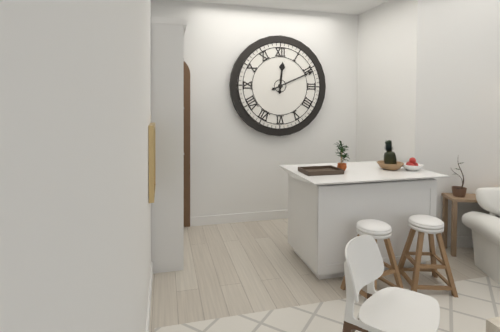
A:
12h11
